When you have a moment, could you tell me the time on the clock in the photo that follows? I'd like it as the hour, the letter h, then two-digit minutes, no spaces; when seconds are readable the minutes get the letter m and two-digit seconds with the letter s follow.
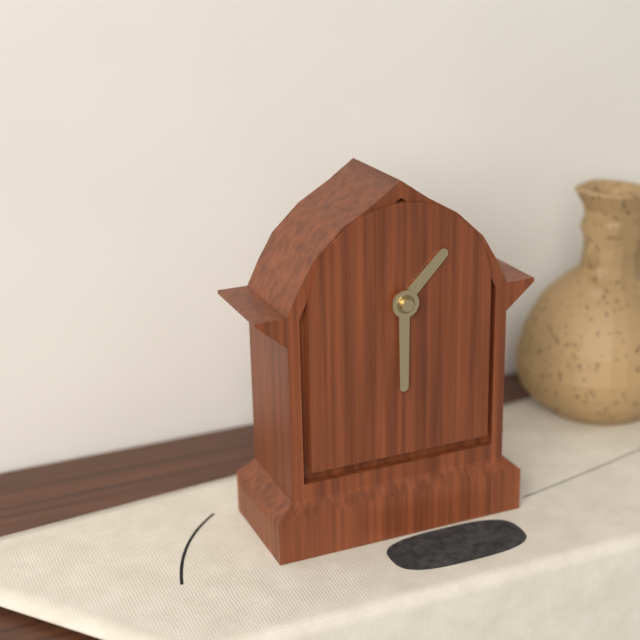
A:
1h30
